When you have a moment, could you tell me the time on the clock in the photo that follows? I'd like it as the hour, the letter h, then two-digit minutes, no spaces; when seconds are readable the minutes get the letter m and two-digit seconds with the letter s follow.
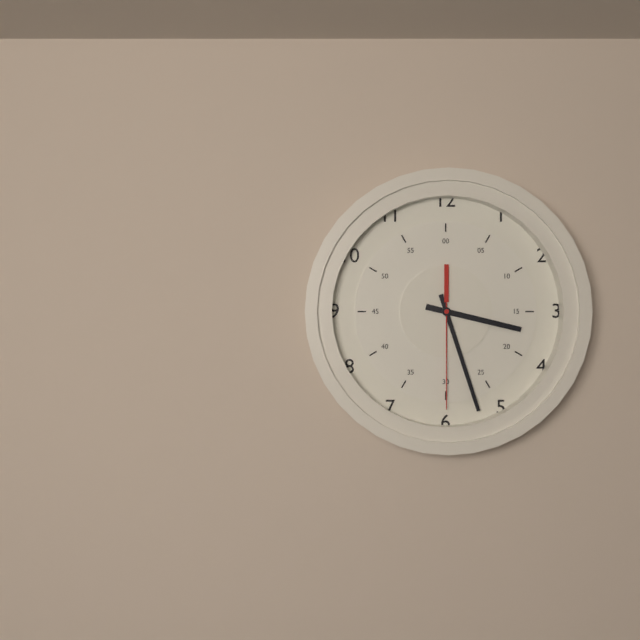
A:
3h27m30s
